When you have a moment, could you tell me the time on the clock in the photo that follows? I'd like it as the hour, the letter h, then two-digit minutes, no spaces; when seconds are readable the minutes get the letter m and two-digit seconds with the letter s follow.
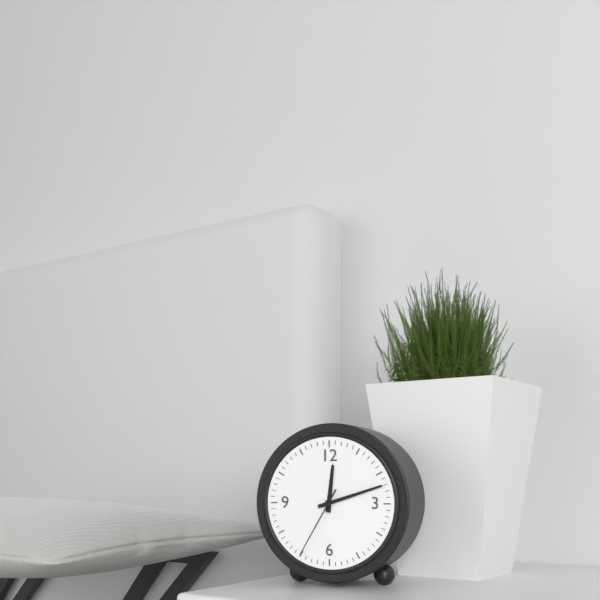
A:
12h12m35s
